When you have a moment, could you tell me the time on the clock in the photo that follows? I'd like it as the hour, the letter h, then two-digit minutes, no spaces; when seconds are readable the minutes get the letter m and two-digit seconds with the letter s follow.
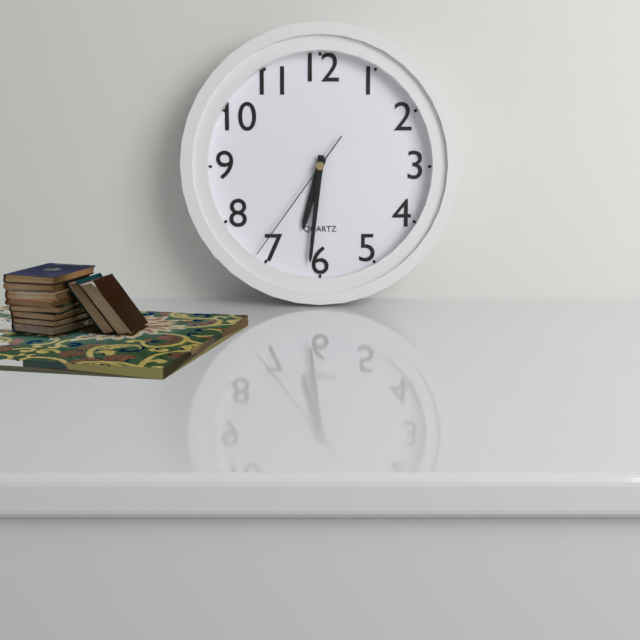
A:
6h31m36s
